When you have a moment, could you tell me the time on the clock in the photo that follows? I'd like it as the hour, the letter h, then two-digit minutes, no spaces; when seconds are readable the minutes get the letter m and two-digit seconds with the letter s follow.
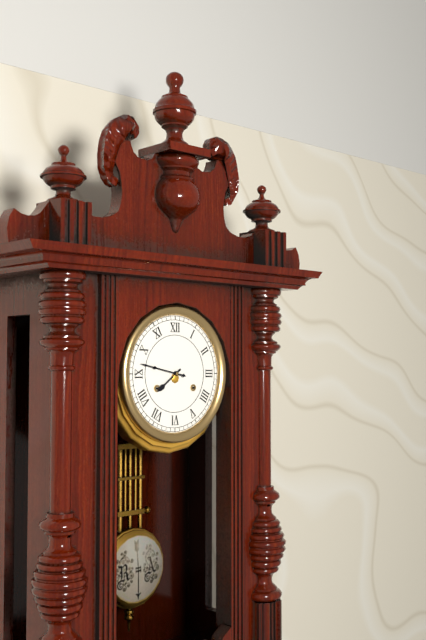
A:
7h47
